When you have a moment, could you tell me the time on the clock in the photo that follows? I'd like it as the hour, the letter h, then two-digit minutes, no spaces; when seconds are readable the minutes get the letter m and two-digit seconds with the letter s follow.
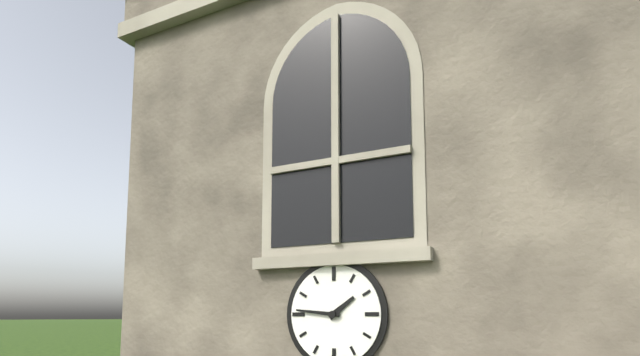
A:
1h46
